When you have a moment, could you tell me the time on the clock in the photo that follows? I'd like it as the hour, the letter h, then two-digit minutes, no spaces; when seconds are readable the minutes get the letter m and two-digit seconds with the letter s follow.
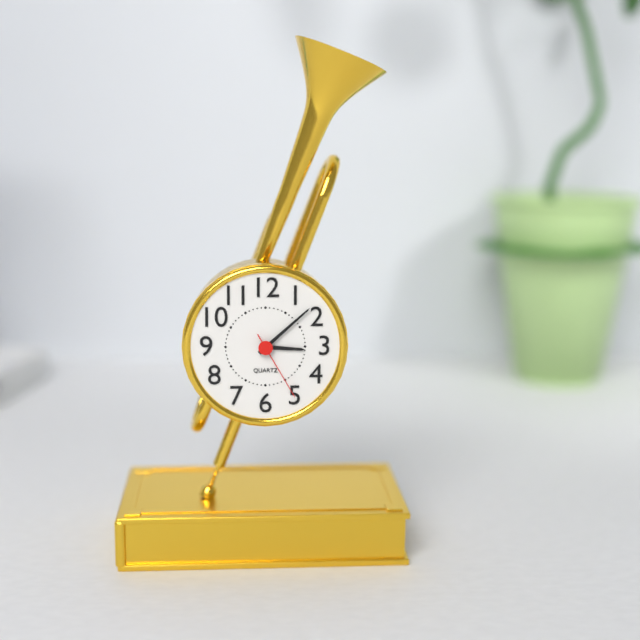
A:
3h08m25s
